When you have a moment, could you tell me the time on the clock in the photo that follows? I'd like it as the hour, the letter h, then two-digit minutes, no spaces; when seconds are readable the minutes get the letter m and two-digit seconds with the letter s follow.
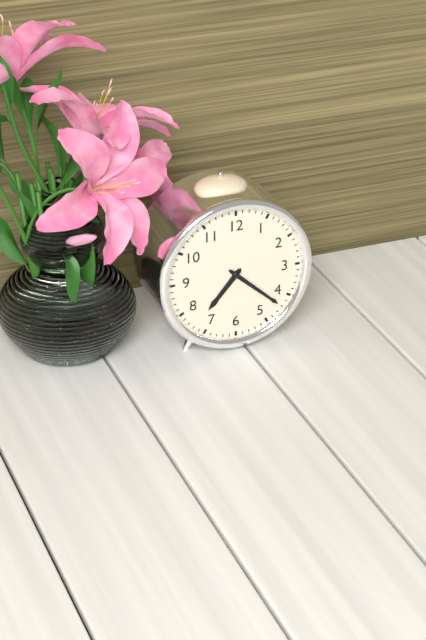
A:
7h22
